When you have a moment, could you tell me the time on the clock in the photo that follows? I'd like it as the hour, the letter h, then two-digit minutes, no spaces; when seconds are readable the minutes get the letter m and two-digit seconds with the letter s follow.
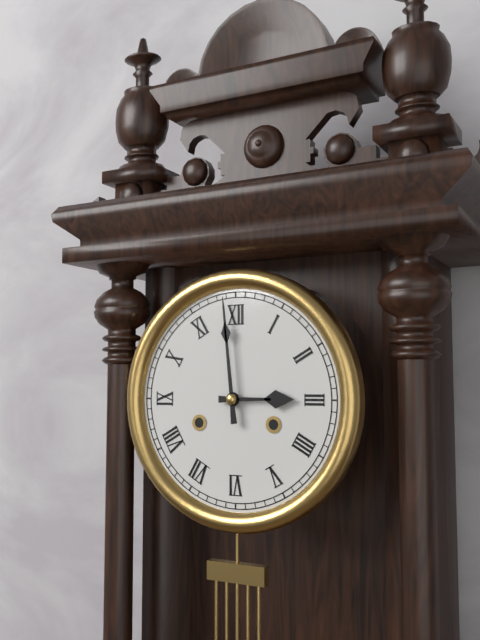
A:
2h59
